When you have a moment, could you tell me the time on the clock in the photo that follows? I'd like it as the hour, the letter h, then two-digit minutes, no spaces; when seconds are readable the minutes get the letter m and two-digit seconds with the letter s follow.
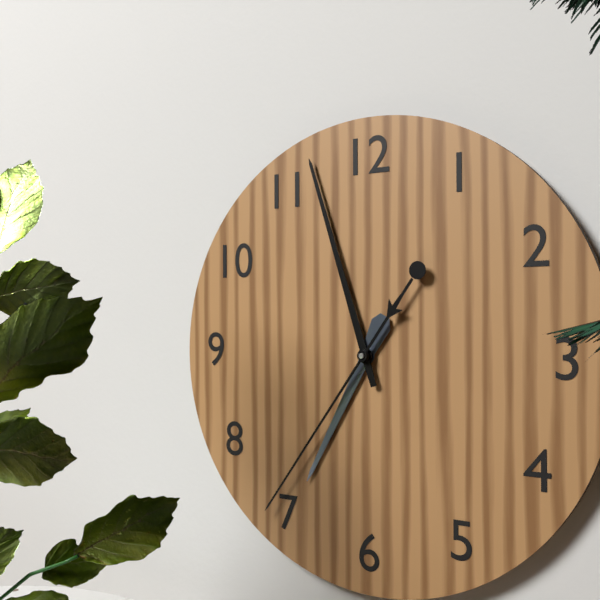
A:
6h57m36s
